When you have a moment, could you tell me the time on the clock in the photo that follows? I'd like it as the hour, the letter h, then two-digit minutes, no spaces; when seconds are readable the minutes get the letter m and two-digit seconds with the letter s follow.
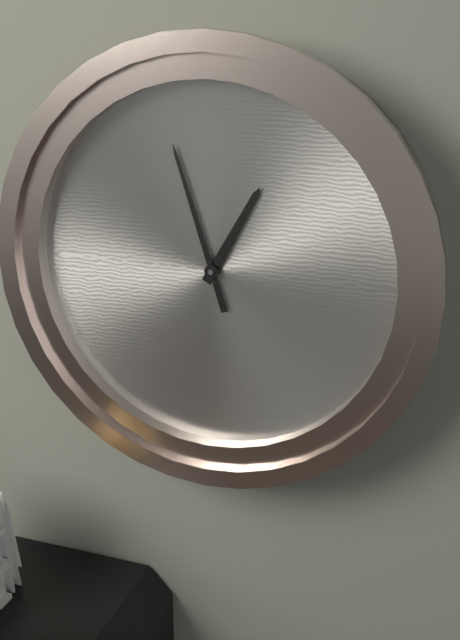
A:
12h57
